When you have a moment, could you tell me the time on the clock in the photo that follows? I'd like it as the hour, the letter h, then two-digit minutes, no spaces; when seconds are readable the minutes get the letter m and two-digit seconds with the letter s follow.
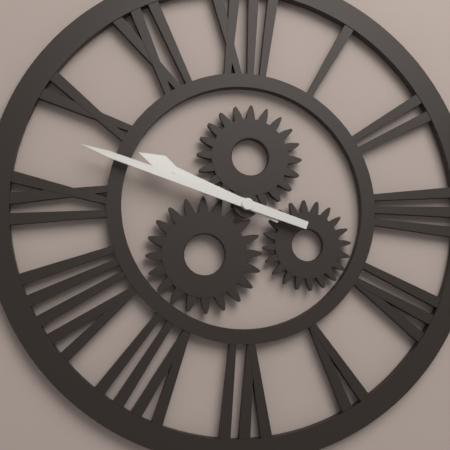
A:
9h48
